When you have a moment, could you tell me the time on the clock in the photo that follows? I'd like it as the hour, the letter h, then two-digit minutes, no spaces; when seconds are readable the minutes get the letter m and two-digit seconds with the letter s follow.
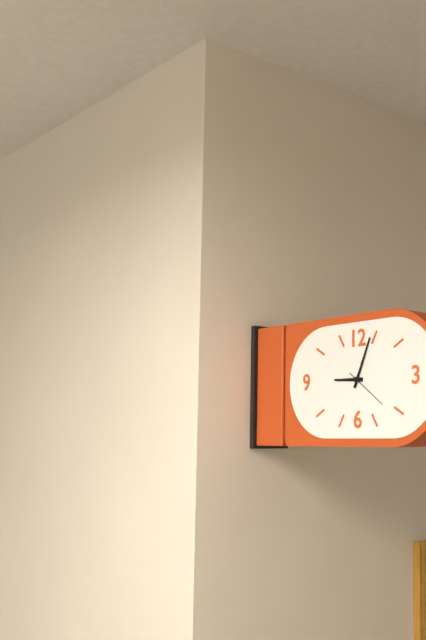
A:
9h04
